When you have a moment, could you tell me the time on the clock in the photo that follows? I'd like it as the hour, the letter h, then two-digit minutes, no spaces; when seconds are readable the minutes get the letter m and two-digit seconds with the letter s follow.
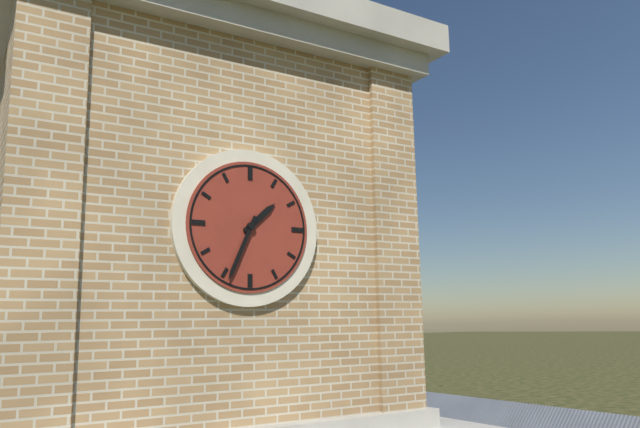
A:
1h34
